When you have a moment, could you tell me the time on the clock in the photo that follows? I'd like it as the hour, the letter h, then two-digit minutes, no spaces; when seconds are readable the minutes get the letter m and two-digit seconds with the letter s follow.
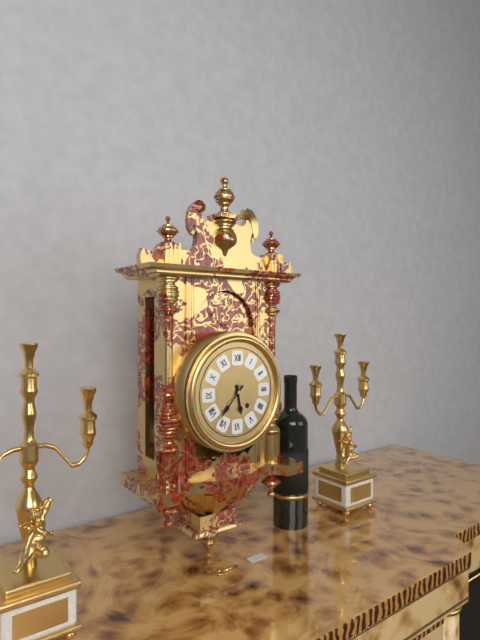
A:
5h37
